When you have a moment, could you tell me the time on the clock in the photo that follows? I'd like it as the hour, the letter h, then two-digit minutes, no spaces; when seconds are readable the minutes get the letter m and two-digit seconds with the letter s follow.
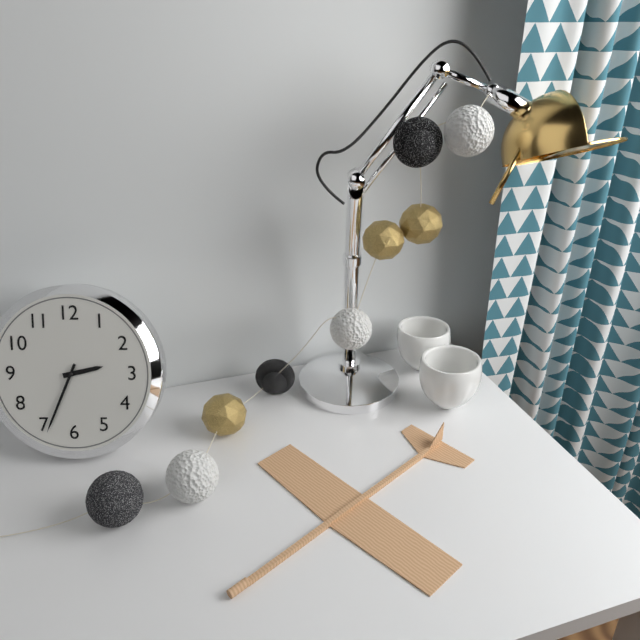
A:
2h34
